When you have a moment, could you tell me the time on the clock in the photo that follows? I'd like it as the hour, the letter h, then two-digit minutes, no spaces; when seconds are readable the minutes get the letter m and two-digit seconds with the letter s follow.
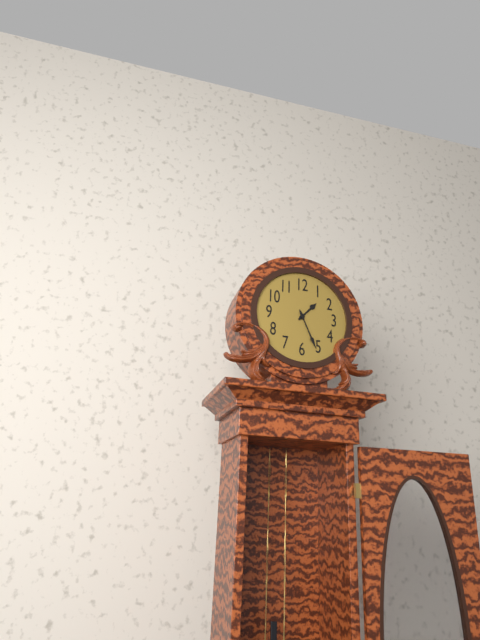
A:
1h26
